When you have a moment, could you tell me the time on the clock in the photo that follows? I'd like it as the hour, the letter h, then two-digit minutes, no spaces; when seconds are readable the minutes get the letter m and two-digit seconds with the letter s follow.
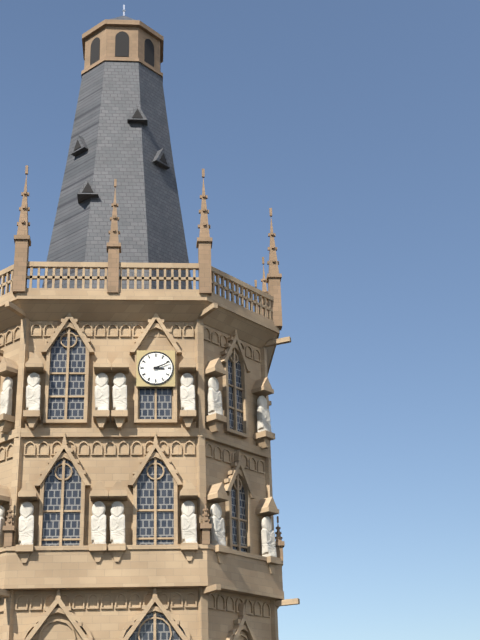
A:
3h11
